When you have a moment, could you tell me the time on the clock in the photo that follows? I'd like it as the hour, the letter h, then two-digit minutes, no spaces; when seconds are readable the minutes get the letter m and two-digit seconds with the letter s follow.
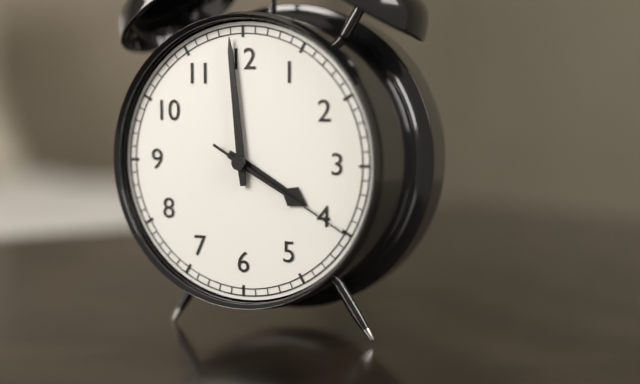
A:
3h59m20s
